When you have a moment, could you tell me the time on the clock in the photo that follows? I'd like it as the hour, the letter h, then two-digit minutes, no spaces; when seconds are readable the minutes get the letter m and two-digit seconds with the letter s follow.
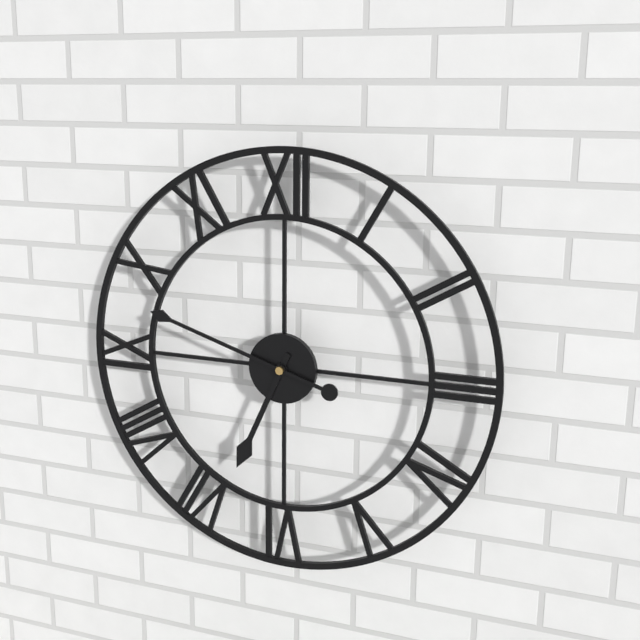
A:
6h48
